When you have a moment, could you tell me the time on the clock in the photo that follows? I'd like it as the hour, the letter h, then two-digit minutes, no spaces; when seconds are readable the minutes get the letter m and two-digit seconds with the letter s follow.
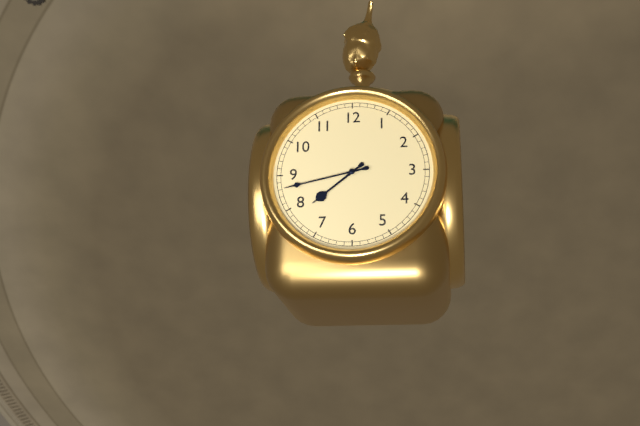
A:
7h43
